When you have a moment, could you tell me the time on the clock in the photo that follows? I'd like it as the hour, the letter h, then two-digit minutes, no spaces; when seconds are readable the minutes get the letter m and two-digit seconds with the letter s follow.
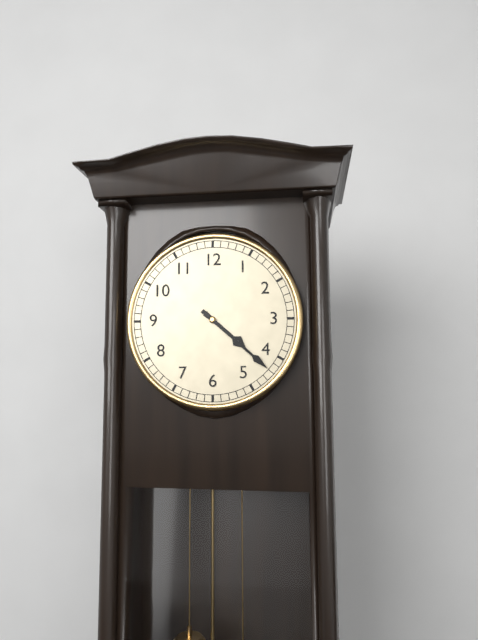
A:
4h22
